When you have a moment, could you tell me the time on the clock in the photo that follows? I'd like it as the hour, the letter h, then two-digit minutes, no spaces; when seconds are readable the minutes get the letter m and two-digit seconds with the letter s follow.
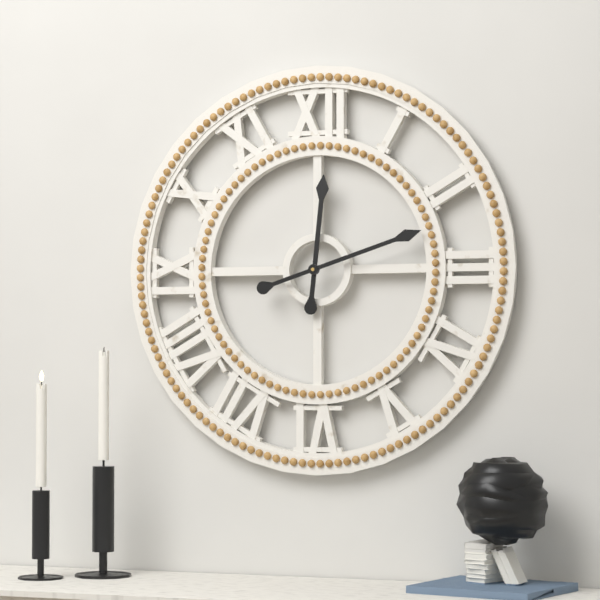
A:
12h12
